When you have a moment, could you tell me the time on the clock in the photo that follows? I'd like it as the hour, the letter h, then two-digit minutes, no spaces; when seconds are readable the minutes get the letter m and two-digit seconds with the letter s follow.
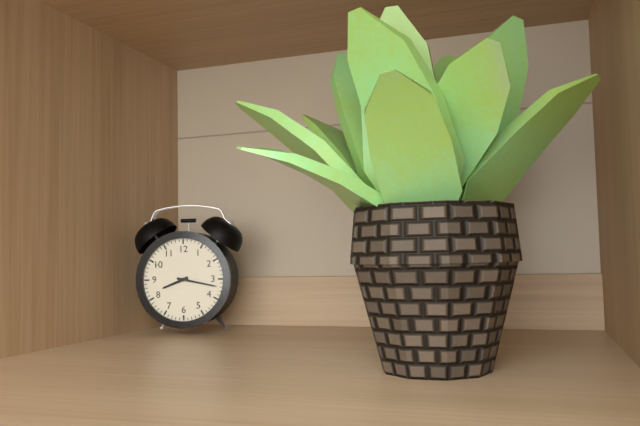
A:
8h17
